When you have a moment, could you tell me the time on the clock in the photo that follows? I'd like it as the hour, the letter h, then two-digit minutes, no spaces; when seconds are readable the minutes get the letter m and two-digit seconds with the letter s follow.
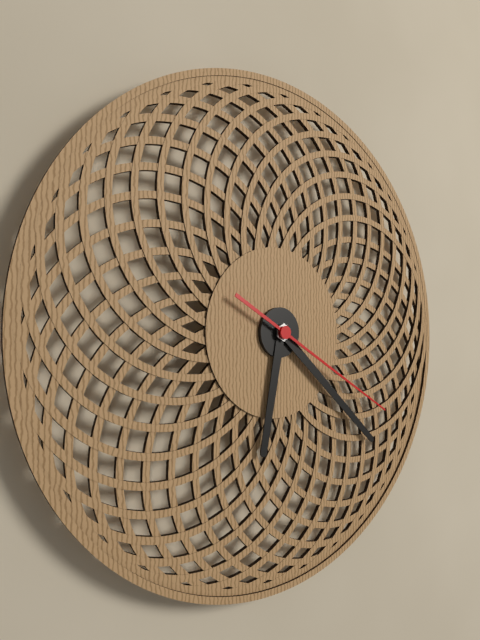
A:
6h22m20s
